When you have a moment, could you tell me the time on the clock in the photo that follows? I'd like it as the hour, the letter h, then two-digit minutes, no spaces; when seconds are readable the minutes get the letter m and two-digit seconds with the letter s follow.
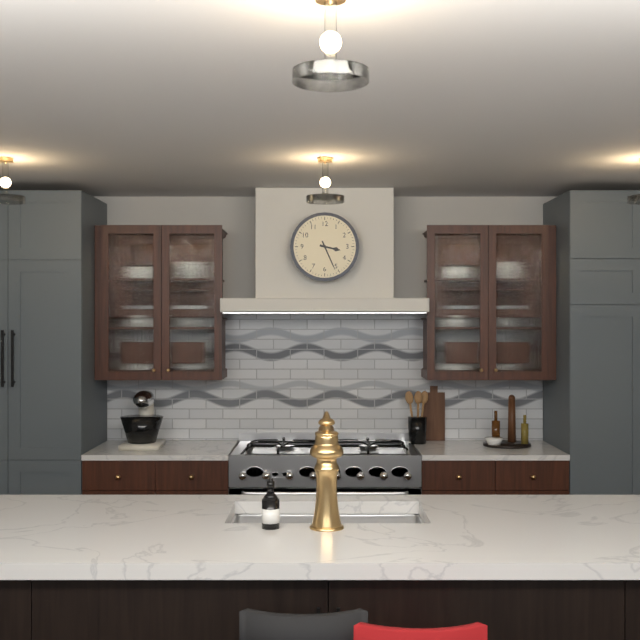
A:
3h26
